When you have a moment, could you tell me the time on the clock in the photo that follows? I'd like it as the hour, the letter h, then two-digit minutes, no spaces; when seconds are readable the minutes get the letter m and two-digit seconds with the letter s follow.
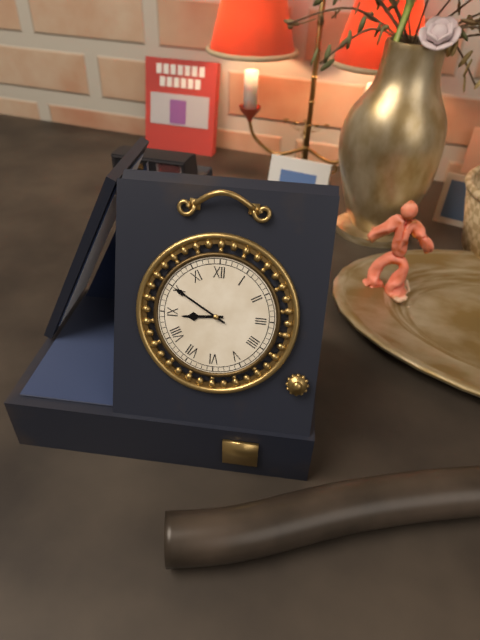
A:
8h50
